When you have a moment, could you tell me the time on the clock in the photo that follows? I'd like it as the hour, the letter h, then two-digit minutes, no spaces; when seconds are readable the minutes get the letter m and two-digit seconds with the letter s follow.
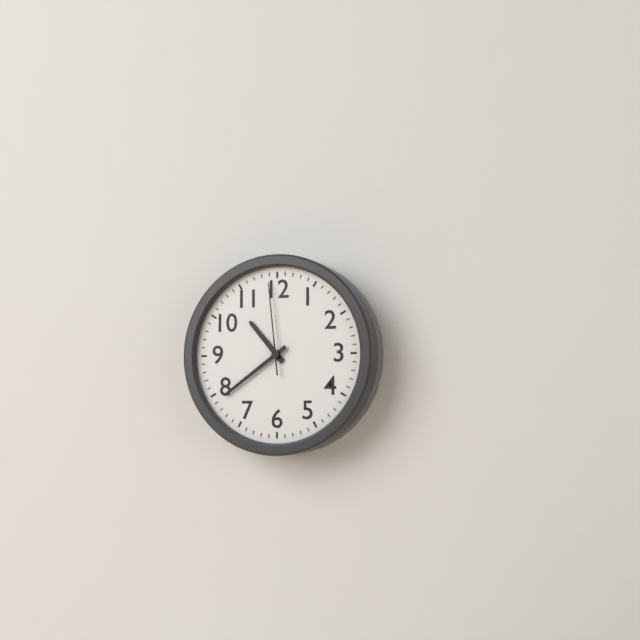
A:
10h39m59s
